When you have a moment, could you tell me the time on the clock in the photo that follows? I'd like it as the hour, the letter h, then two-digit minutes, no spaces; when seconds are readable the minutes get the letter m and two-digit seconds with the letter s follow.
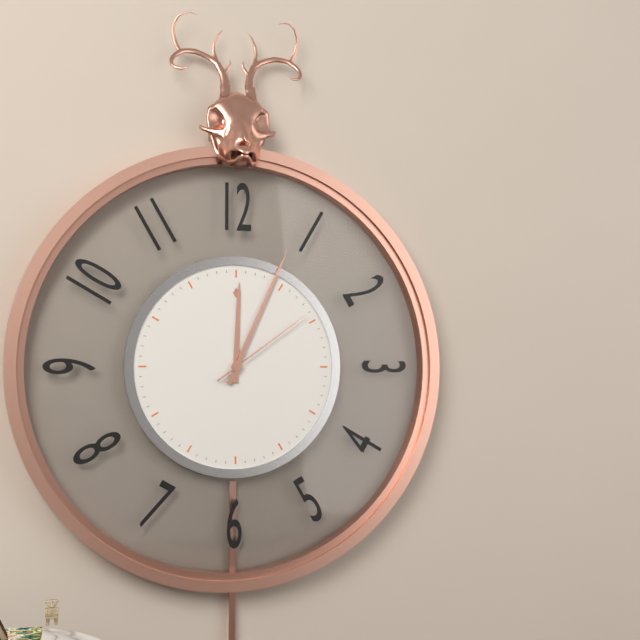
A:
12h04m09s
